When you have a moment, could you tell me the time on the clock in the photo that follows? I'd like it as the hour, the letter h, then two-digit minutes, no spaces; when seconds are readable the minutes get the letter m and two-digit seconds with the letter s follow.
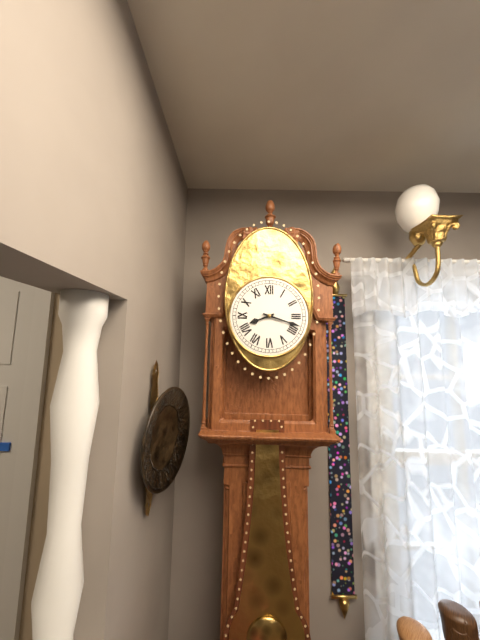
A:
8h18
